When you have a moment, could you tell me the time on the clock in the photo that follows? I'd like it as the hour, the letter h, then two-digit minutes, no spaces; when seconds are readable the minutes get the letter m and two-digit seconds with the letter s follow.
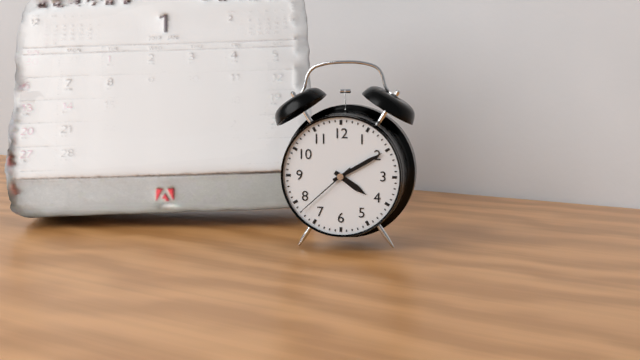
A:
4h10m38s
